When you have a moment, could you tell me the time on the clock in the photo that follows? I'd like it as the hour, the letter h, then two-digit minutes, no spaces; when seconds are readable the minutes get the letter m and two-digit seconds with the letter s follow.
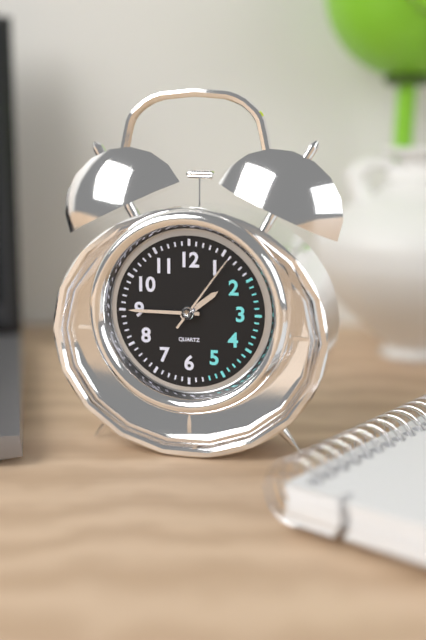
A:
1h45m06s
